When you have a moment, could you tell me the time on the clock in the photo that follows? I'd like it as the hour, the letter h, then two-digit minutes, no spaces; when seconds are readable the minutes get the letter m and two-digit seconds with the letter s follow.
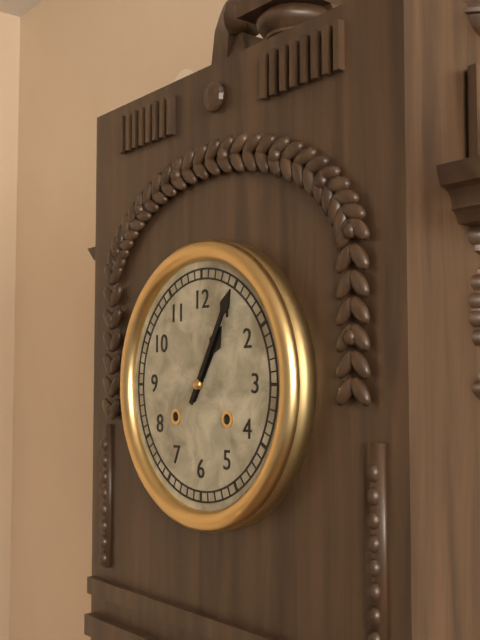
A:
1h05
